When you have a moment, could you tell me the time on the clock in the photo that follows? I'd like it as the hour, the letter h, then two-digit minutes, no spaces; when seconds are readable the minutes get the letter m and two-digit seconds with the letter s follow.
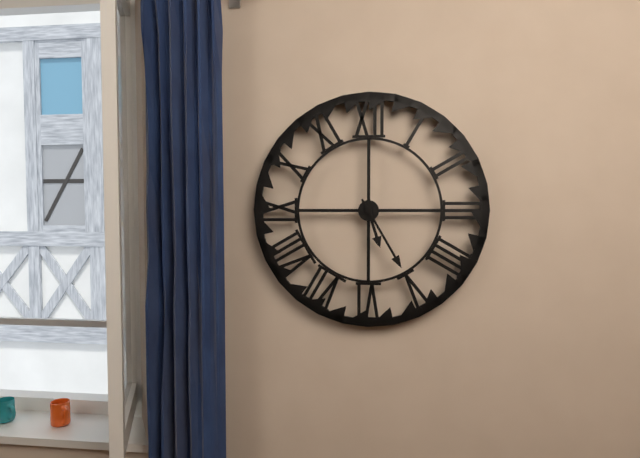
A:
5h25
